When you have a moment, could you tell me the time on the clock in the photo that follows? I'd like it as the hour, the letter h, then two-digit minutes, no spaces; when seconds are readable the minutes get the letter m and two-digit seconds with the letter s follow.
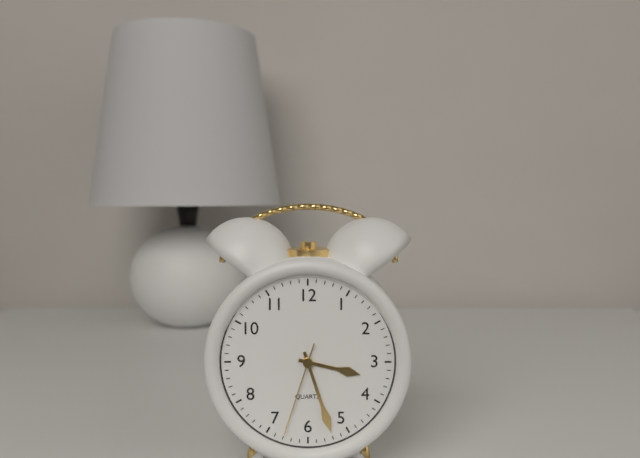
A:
3h27m33s
